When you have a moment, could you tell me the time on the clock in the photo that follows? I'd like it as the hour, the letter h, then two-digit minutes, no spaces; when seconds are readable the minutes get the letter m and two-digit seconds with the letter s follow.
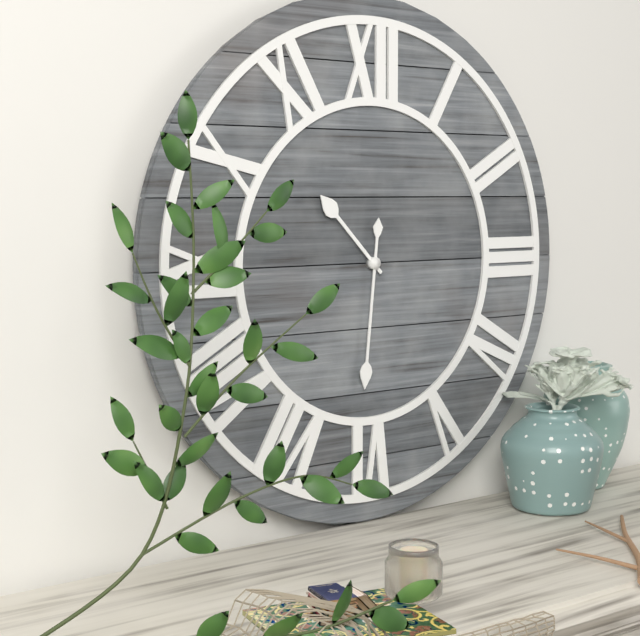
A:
10h31
